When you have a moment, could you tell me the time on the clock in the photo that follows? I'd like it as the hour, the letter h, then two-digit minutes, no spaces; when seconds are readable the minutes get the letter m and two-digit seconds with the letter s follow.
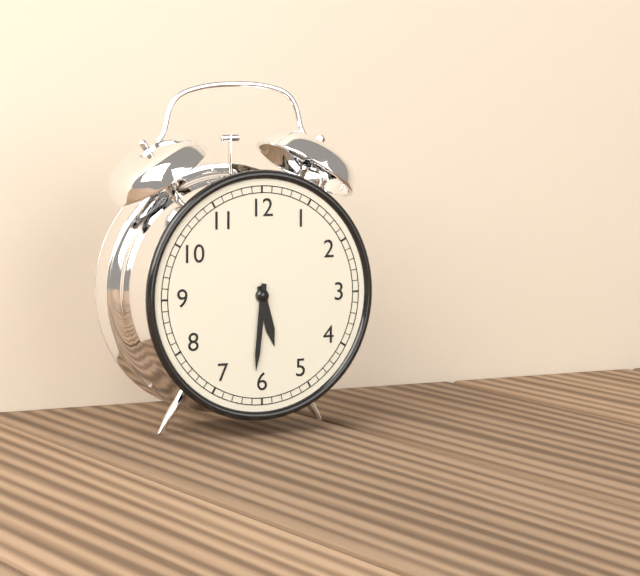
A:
5h31
